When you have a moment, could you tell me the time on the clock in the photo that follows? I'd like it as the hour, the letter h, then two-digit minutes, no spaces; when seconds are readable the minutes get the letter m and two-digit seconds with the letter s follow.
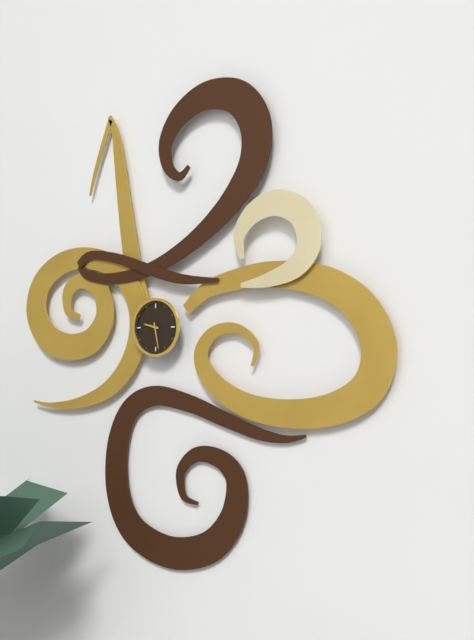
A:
9h28
